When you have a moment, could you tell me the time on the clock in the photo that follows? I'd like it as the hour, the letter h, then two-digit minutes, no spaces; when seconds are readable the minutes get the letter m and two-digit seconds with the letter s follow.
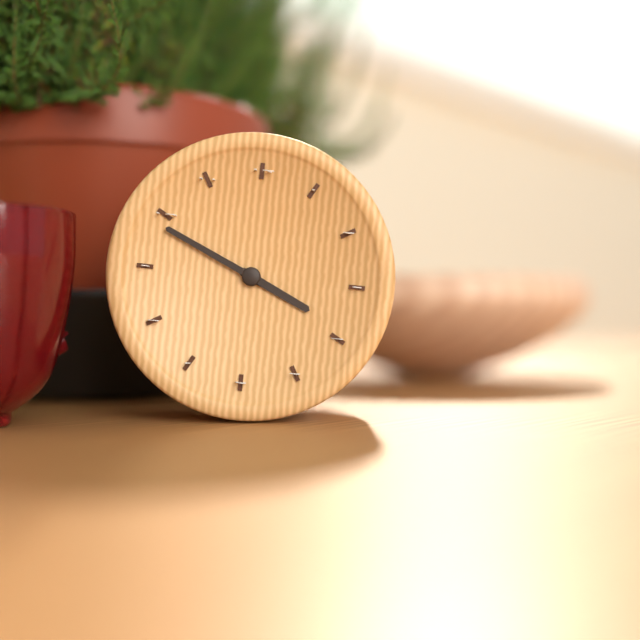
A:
3h49
